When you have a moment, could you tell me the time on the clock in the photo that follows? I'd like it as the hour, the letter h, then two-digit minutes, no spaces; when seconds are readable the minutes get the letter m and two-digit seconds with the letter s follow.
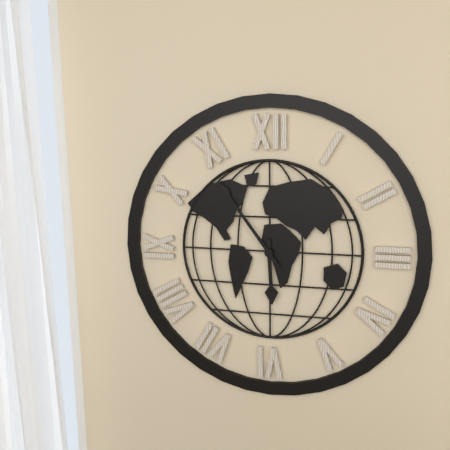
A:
5h54
